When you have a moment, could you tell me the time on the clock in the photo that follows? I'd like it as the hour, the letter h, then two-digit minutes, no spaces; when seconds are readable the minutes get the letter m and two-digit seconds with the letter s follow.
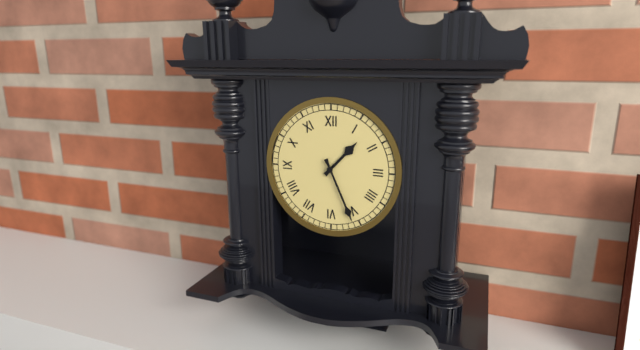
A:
1h26
